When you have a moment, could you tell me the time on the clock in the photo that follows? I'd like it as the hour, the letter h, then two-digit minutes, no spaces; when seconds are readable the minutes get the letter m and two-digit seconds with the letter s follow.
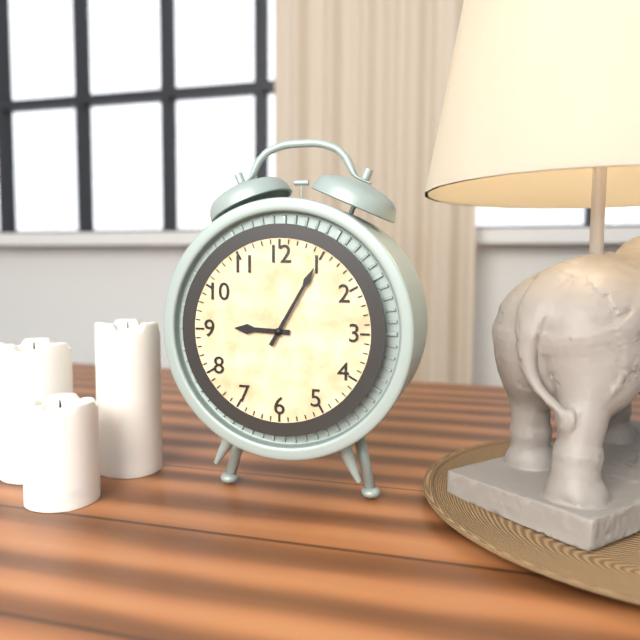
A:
9h05
